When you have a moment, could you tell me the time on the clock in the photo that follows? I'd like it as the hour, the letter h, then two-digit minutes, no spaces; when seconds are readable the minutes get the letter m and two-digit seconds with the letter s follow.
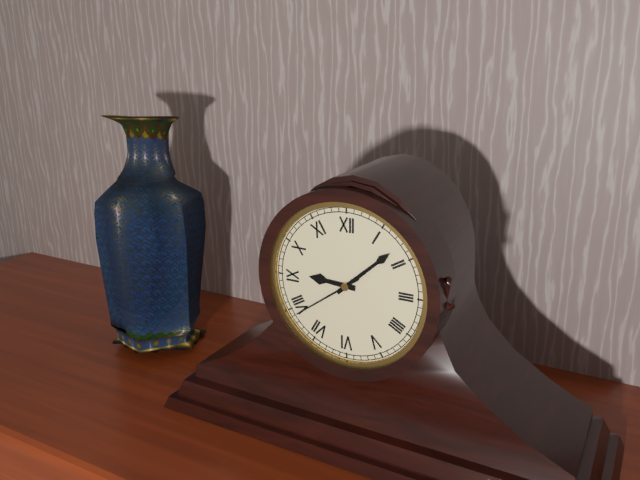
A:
9h08m39s
